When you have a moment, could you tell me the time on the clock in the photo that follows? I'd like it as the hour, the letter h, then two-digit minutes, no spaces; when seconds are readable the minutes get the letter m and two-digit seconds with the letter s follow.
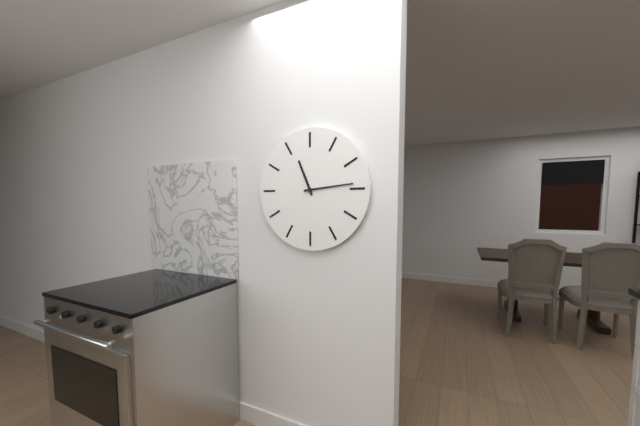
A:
11h14
